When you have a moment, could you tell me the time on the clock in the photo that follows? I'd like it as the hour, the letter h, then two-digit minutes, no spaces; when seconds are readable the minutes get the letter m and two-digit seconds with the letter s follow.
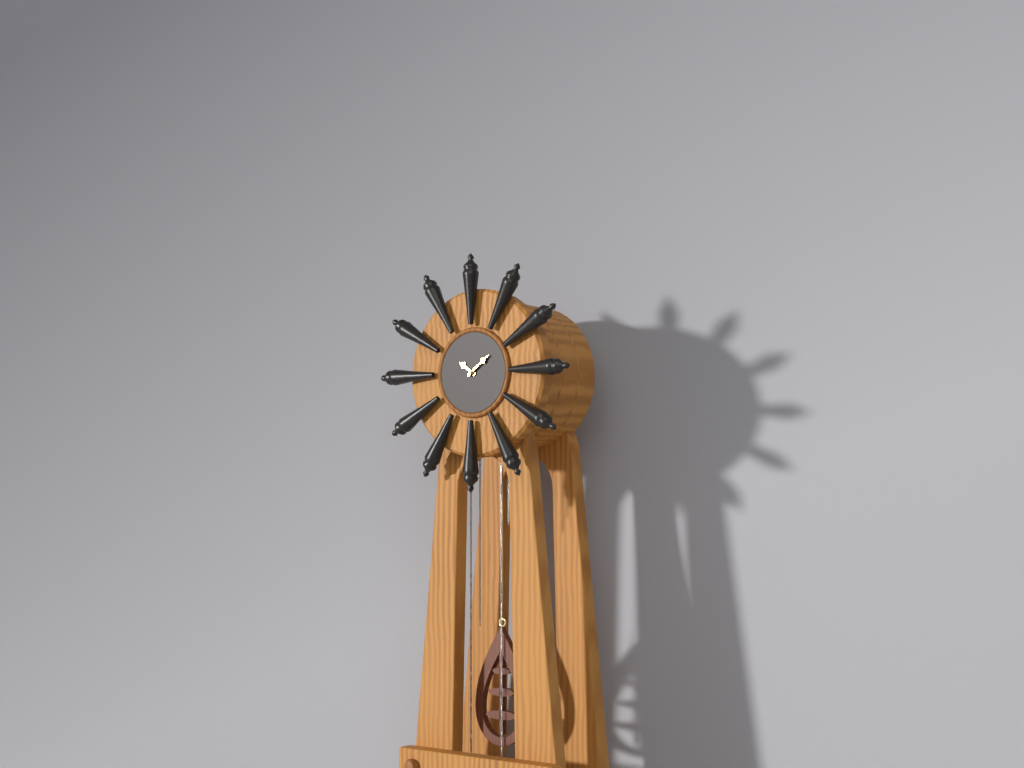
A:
10h09
